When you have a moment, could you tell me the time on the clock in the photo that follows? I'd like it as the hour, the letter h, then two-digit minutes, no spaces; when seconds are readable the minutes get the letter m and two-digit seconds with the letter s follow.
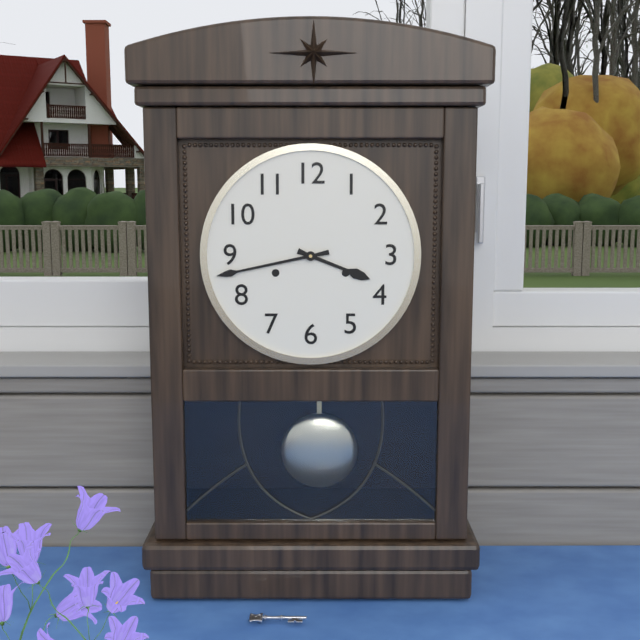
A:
3h43
